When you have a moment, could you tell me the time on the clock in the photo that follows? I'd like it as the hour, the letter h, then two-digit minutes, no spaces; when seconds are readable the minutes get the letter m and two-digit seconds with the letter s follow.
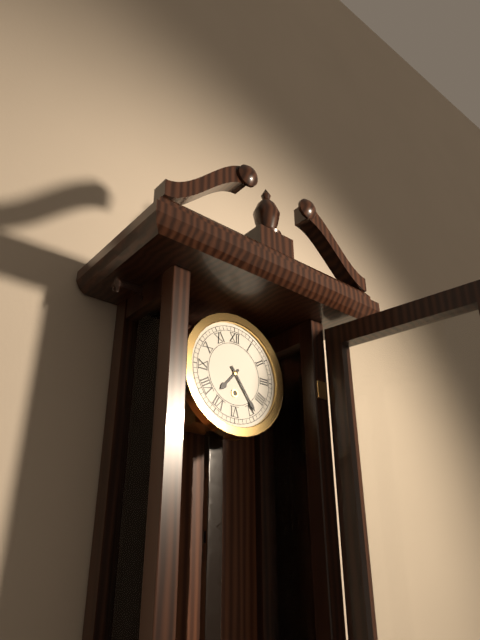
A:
7h24
